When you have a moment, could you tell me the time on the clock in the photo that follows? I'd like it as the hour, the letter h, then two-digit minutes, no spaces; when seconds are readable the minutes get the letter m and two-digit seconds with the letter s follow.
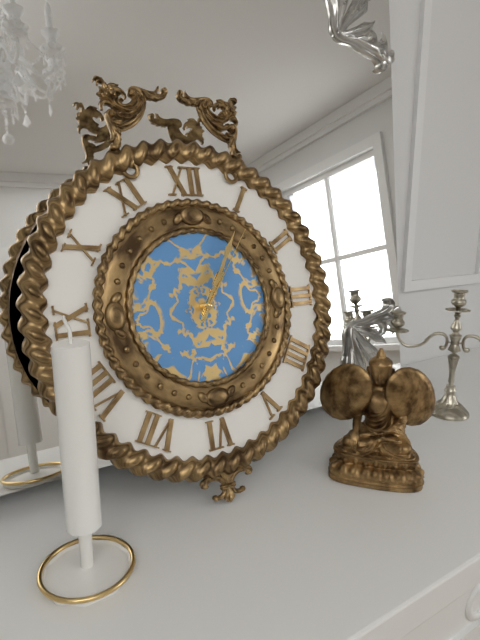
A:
1h05m06s
